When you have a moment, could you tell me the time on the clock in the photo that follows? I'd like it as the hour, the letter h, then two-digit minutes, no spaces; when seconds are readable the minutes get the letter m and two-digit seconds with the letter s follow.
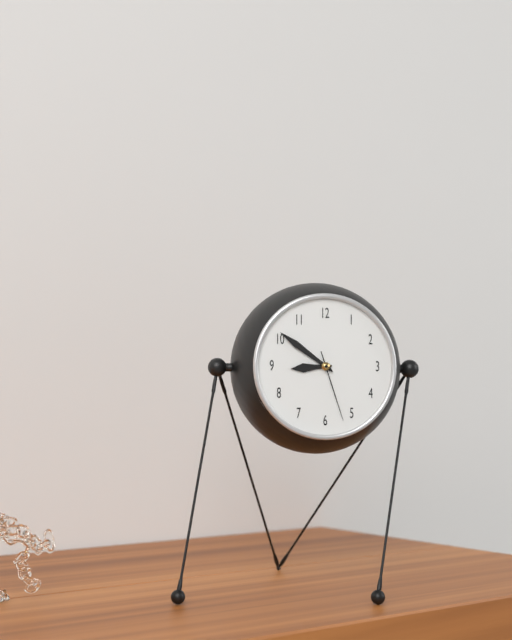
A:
8h51m27s
